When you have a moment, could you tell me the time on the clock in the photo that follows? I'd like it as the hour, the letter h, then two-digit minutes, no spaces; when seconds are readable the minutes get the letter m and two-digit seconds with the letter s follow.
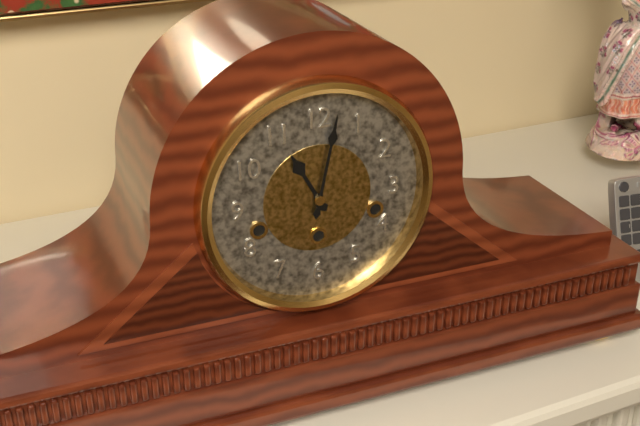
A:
11h02
